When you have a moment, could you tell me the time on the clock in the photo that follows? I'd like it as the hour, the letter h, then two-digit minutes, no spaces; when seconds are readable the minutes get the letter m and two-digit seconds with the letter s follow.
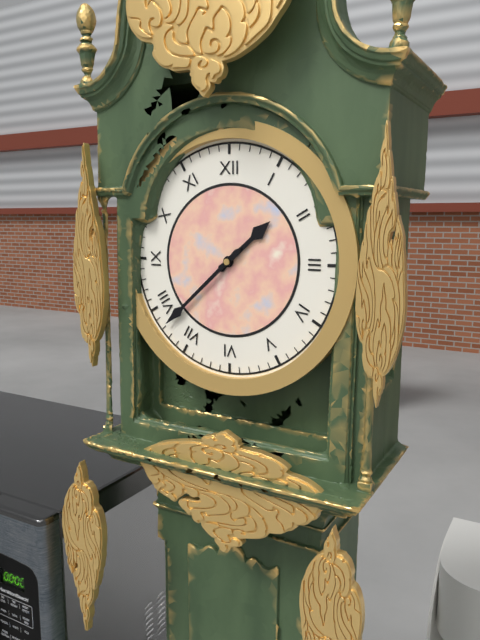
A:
1h38
